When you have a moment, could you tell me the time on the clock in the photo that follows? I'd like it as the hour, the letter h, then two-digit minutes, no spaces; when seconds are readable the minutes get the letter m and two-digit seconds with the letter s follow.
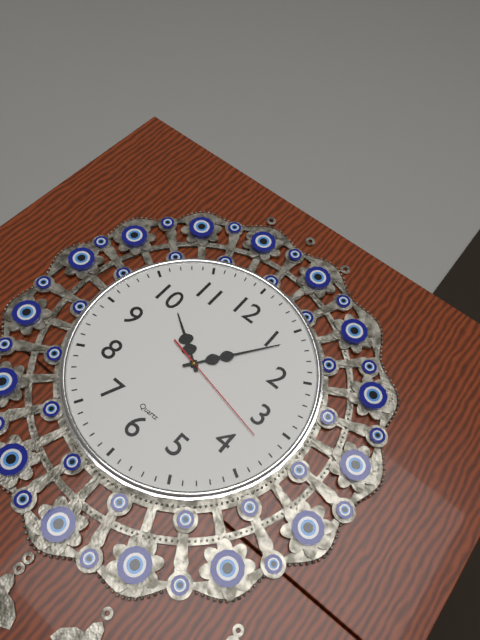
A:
10h06m17s
